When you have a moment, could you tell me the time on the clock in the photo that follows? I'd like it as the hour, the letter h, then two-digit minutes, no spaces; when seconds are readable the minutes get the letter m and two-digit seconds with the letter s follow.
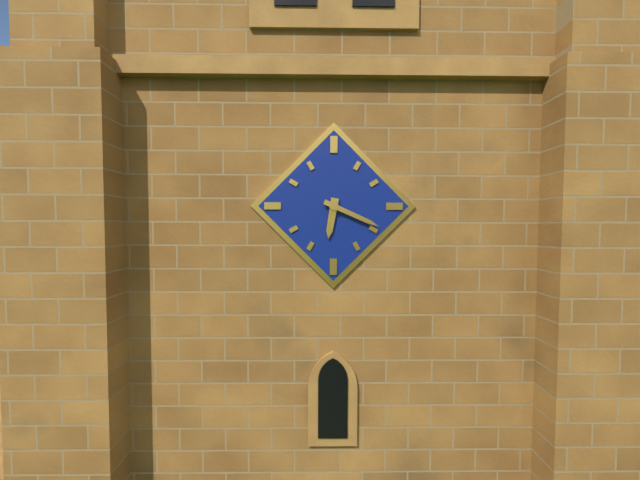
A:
6h19
